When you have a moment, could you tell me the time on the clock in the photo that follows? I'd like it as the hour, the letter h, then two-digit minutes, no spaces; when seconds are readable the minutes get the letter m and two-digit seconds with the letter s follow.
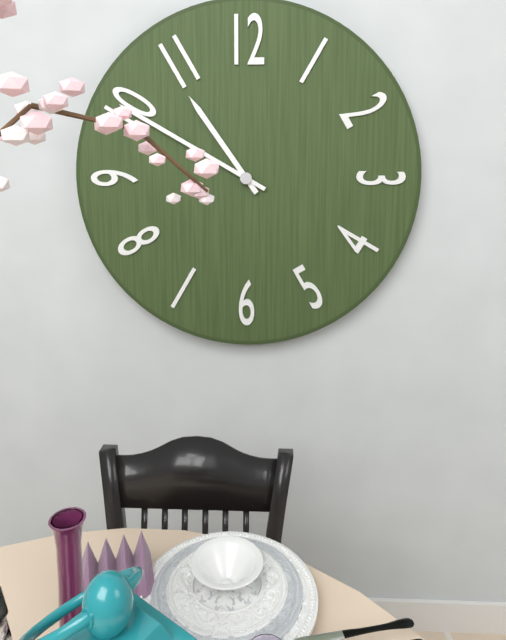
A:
10h50
